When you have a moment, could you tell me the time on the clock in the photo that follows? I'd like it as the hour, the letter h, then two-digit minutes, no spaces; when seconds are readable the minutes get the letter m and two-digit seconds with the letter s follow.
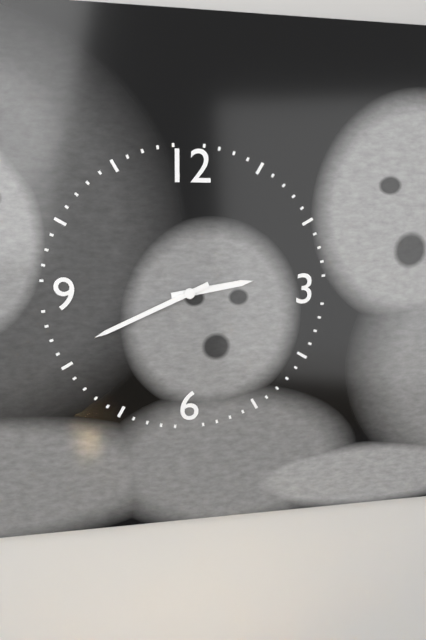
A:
2h41
